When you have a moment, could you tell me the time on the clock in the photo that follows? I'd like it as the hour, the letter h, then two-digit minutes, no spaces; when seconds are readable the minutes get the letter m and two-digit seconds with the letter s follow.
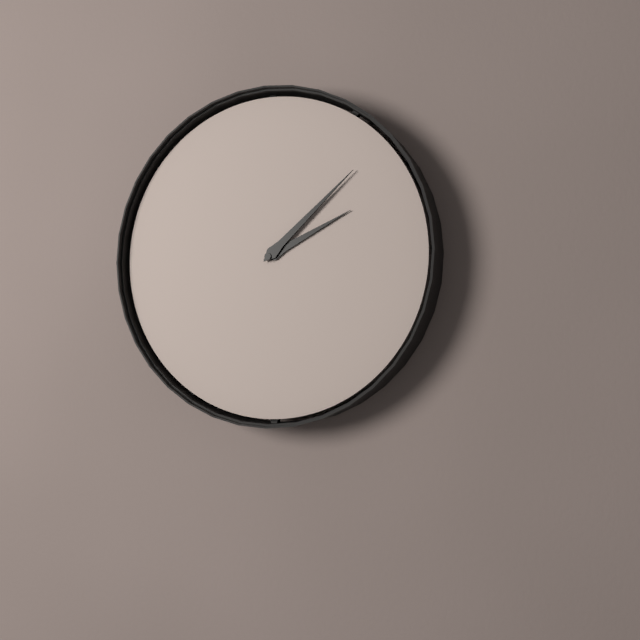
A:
2h08
